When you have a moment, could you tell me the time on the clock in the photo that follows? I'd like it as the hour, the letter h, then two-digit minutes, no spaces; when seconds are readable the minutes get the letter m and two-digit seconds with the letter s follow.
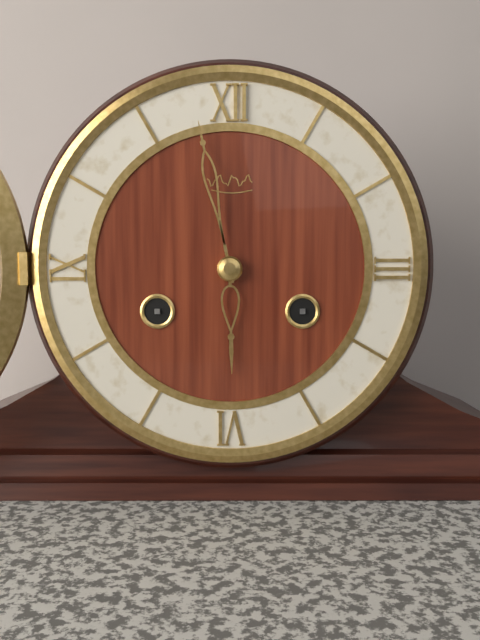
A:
5h58
